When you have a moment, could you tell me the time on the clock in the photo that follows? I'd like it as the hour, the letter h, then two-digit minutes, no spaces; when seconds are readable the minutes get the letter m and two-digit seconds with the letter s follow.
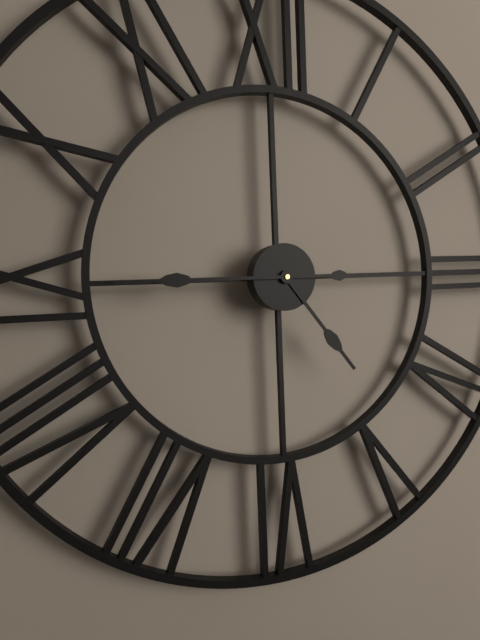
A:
4h45
